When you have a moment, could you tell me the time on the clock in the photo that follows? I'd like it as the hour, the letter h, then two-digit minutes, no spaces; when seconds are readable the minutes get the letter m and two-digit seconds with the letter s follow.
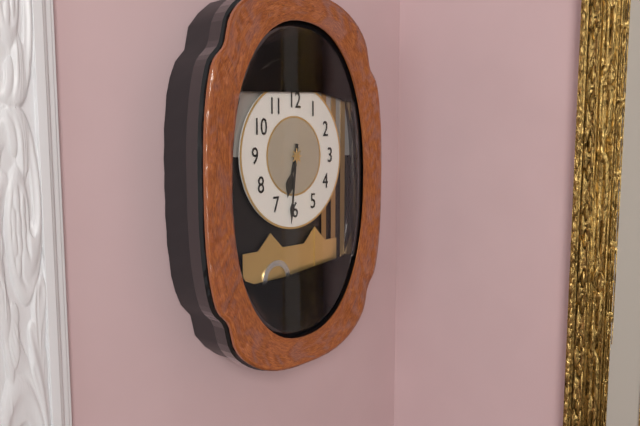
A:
6h31
